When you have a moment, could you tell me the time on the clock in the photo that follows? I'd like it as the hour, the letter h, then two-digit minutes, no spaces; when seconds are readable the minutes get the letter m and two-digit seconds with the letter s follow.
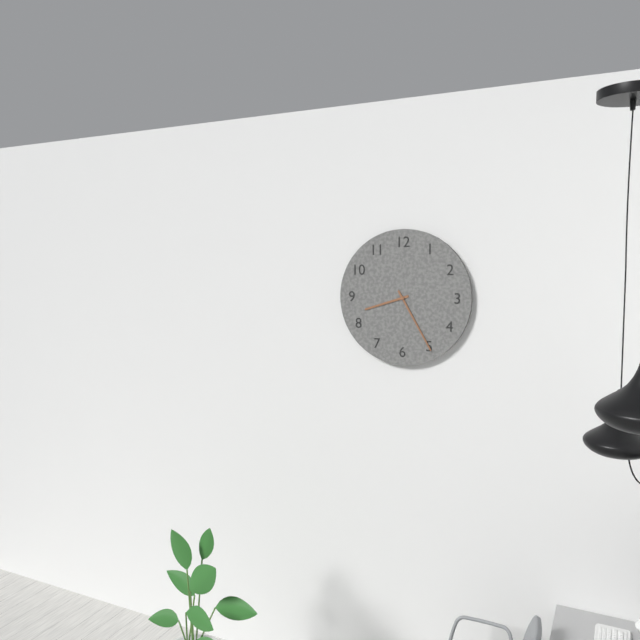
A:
8h25
